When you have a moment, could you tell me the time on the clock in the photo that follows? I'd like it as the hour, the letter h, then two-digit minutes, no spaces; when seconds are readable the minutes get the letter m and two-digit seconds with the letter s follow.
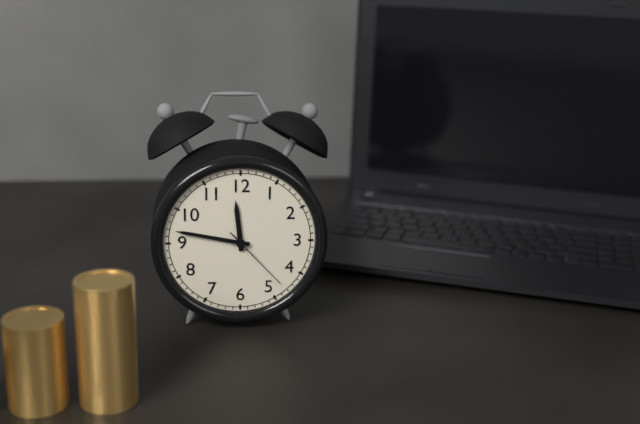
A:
11h47m23s
